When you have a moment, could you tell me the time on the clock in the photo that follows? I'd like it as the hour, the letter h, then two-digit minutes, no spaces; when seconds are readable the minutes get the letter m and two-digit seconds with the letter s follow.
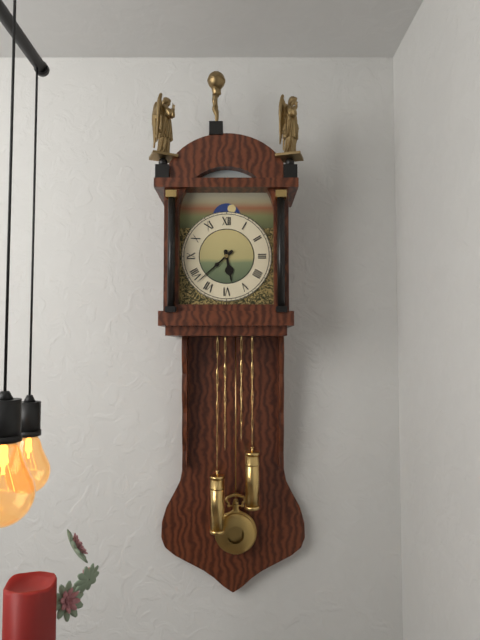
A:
5h38
